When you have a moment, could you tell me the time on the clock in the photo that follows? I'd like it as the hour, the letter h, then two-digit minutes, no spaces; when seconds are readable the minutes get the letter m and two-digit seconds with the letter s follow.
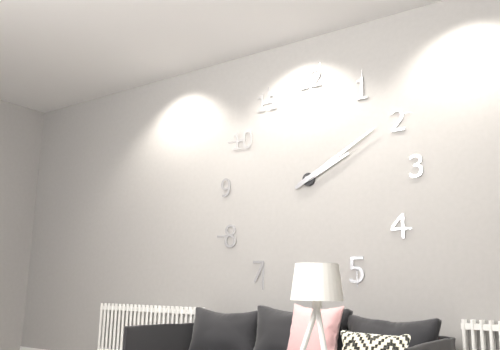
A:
2h10
